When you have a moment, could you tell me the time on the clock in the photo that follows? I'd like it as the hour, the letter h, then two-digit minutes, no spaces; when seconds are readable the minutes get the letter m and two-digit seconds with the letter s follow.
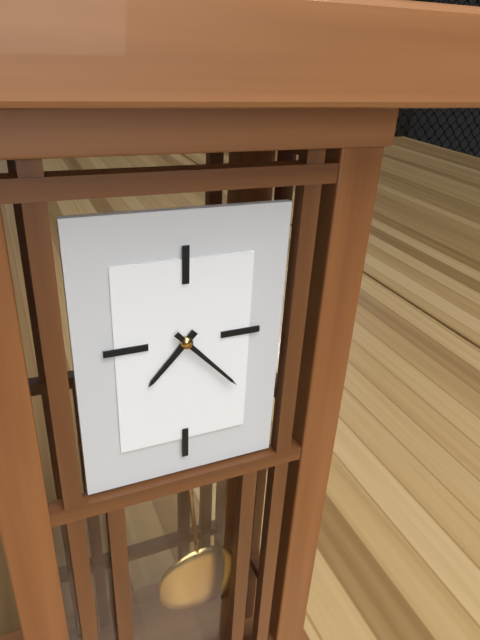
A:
7h23
